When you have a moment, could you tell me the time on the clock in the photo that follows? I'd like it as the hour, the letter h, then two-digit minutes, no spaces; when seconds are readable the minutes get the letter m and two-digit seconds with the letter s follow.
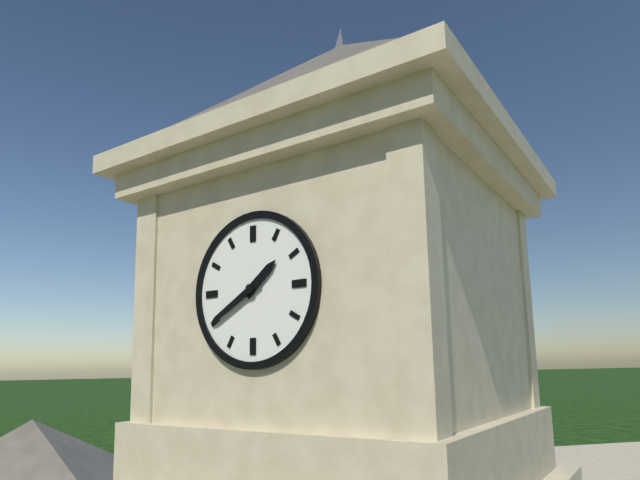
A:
1h40
